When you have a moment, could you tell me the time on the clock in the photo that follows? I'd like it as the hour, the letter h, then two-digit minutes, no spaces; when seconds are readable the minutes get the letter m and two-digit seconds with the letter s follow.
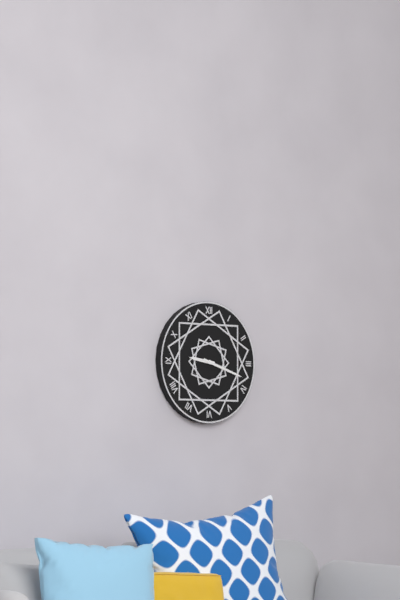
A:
9h18
